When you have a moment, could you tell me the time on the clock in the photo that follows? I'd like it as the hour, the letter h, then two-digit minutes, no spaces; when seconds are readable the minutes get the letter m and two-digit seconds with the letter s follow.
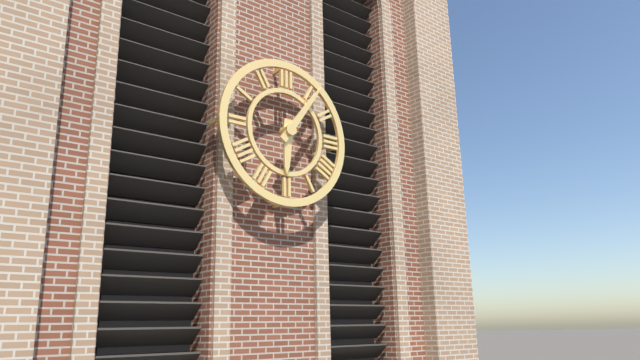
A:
6h06
